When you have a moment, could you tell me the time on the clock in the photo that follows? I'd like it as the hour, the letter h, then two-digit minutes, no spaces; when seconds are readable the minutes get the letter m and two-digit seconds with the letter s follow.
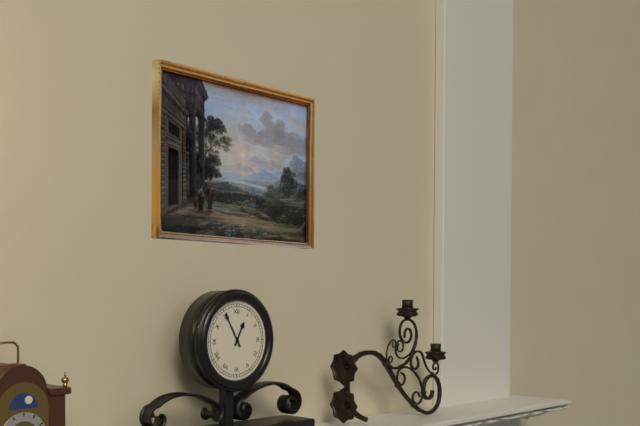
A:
12h55
